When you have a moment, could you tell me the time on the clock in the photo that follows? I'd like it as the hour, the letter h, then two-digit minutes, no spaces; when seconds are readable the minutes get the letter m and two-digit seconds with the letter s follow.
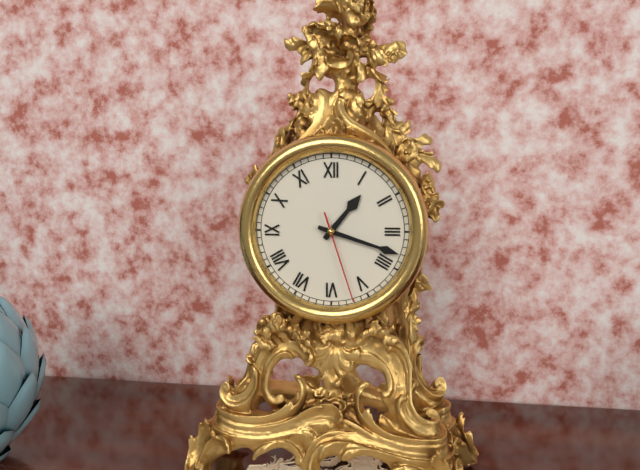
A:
1h18m27s
